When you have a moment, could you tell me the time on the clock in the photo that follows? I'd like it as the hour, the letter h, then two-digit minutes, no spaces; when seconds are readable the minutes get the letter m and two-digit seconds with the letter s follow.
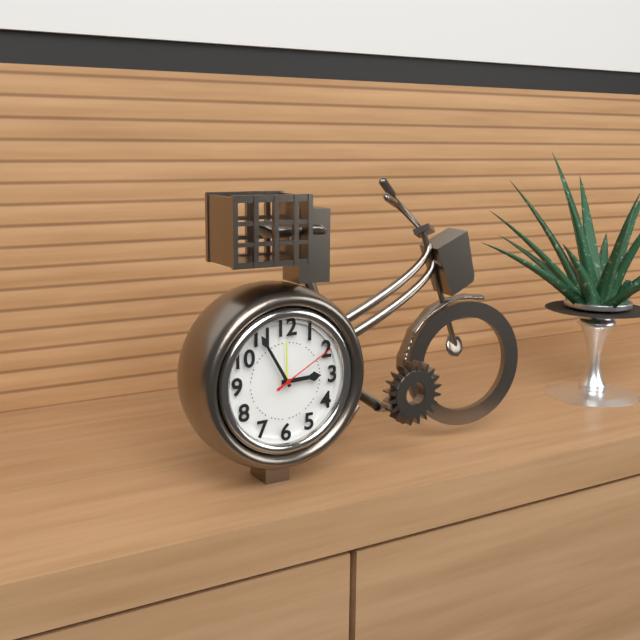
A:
2h55m10s
